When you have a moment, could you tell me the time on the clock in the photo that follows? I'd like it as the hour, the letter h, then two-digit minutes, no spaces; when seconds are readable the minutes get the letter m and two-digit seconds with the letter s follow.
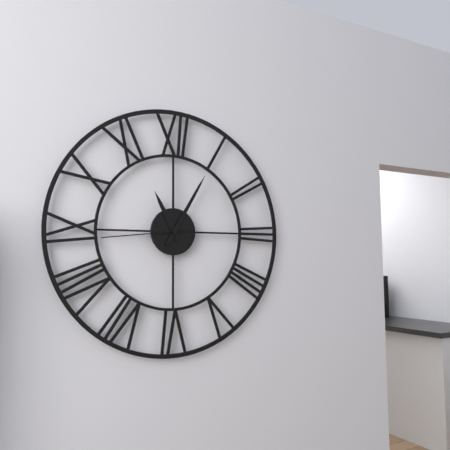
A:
11h05m44s
